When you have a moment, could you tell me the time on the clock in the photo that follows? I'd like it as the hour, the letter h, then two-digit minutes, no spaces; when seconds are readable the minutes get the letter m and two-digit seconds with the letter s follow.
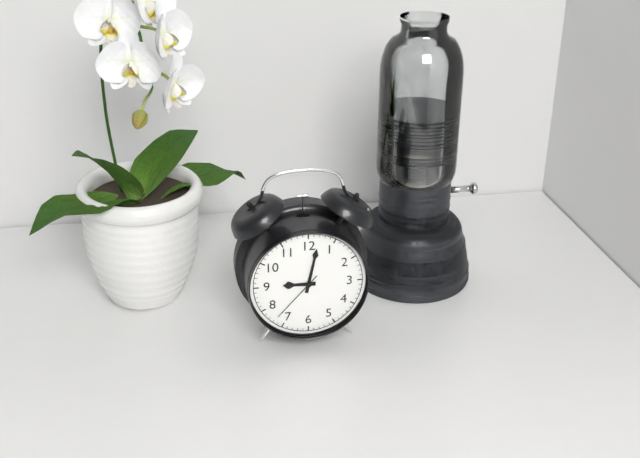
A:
9h02m37s
